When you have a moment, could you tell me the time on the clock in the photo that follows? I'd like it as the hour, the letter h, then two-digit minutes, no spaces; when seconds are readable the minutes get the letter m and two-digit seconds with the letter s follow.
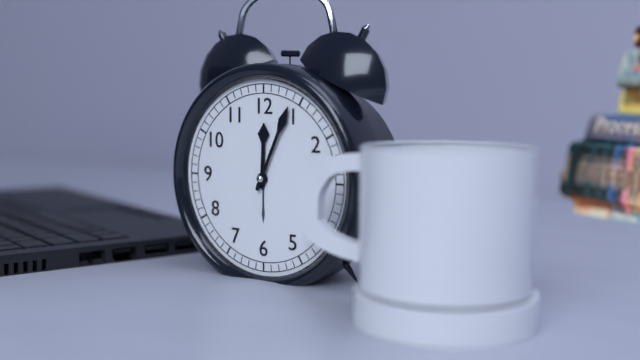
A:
12h04
